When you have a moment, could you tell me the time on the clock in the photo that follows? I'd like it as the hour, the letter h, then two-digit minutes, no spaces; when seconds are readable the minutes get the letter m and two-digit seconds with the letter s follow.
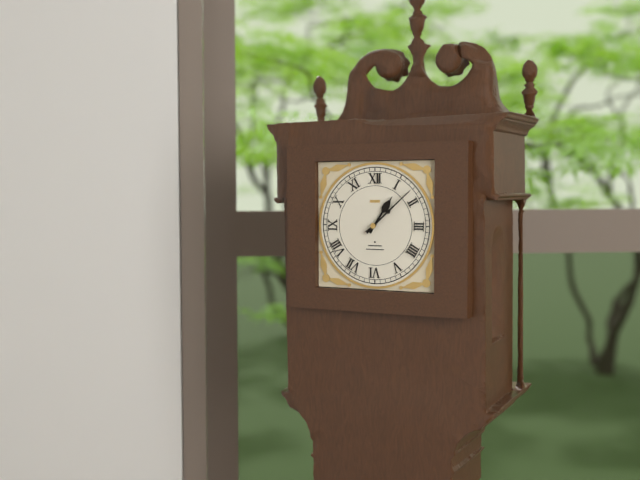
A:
1h08
